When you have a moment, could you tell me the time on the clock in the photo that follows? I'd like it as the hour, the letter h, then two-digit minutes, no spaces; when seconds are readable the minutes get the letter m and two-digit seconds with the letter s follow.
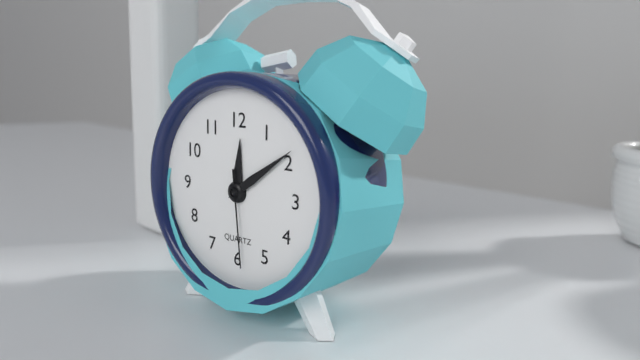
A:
12h09m29s
